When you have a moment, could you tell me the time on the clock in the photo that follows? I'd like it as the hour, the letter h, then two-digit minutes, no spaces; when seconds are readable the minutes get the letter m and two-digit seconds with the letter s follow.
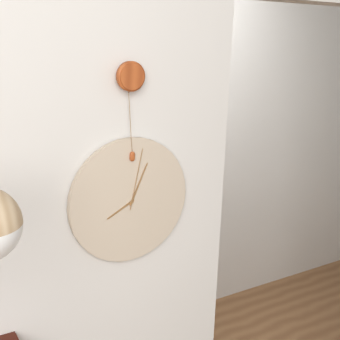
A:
8h04m02s
